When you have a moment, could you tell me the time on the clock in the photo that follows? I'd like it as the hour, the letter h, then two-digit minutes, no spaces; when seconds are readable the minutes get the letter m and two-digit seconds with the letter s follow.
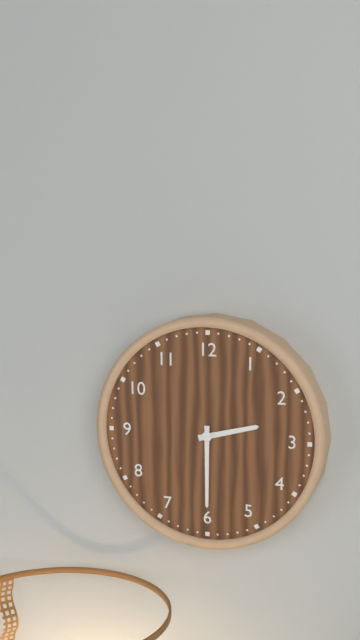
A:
2h30
